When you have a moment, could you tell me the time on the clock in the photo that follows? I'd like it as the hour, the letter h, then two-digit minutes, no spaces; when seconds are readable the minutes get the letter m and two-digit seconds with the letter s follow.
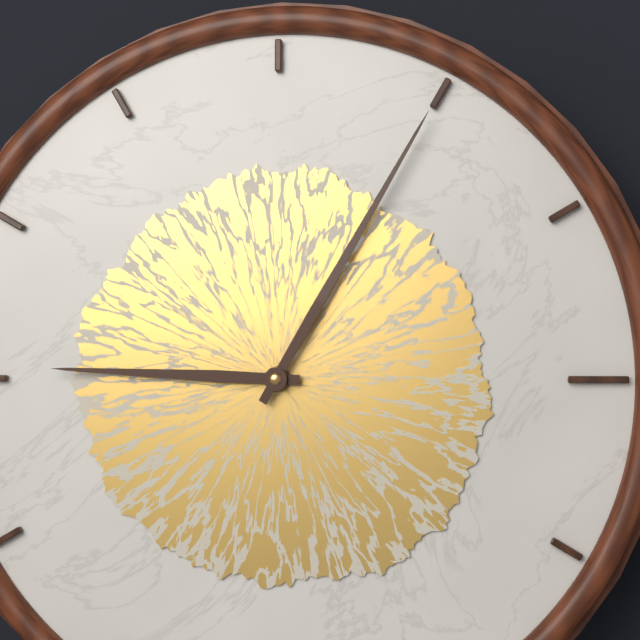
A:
9h05
